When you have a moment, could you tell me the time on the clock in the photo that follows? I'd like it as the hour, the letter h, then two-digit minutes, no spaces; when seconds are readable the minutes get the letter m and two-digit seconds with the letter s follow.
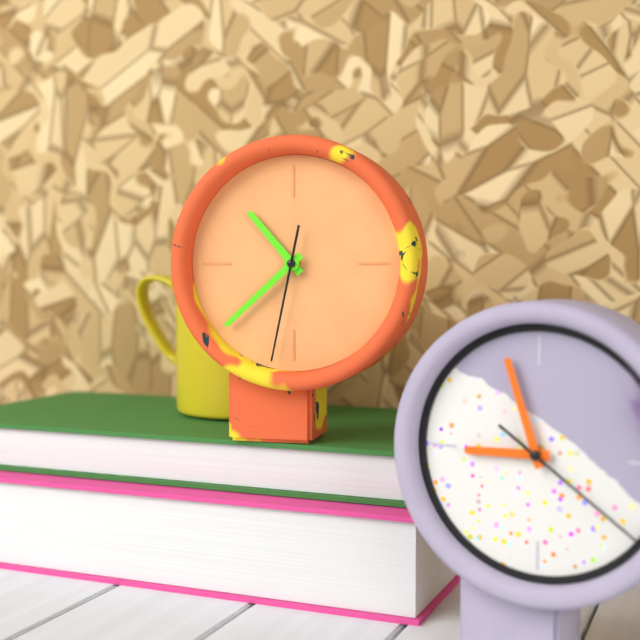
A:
10h38m32s
